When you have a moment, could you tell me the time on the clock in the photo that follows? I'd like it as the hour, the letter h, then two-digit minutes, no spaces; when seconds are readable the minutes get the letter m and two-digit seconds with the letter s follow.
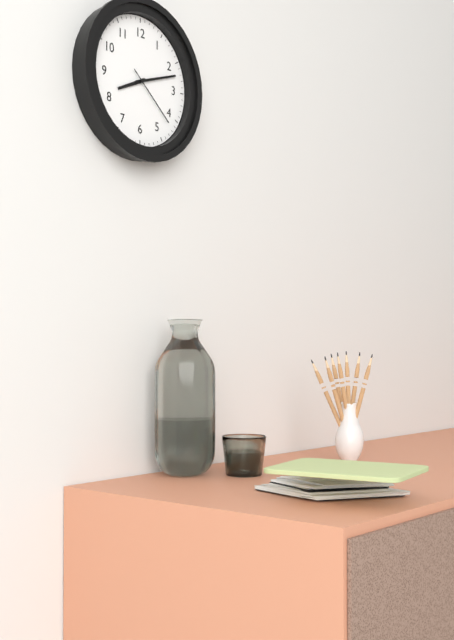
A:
8h12m22s
